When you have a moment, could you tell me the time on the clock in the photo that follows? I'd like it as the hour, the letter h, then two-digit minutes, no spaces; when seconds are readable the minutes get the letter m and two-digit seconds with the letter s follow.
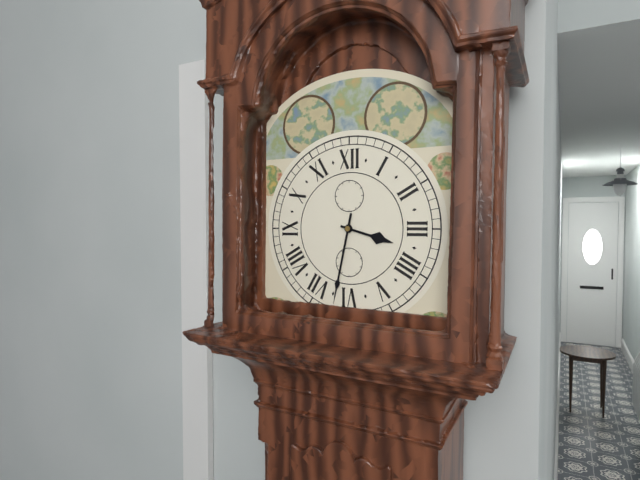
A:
3h32
